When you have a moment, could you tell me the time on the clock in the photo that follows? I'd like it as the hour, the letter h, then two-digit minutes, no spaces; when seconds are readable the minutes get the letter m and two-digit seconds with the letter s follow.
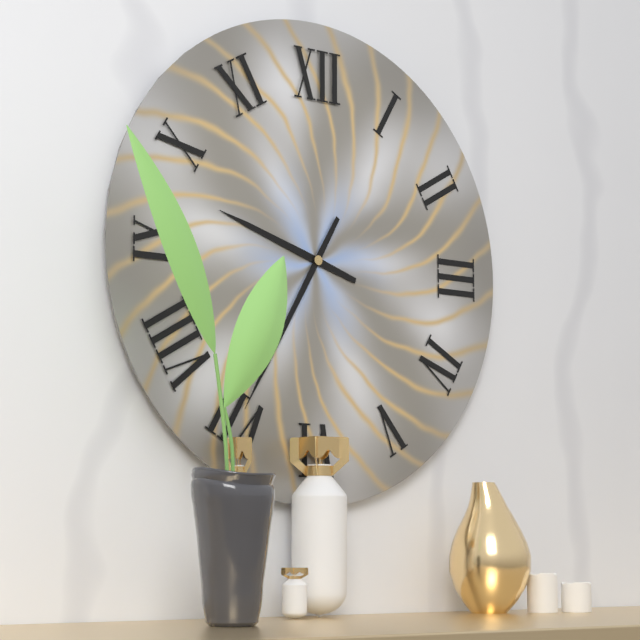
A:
9h35
